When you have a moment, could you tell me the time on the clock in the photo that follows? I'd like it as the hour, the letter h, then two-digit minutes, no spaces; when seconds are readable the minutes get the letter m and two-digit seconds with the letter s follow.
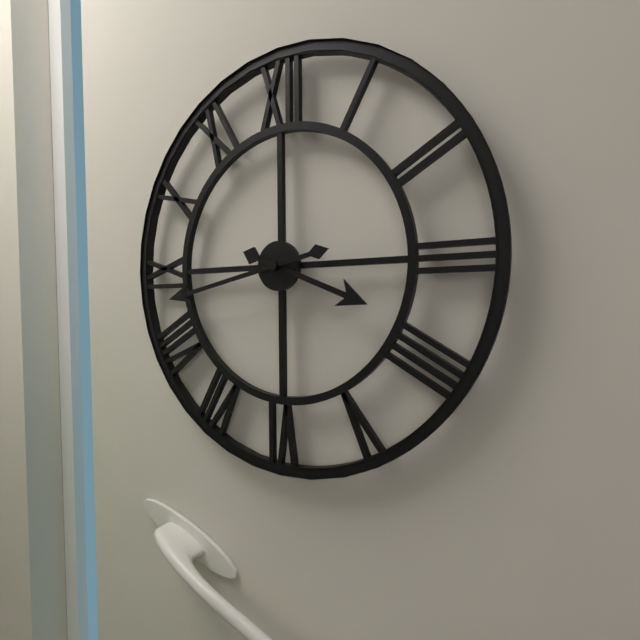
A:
3h43
